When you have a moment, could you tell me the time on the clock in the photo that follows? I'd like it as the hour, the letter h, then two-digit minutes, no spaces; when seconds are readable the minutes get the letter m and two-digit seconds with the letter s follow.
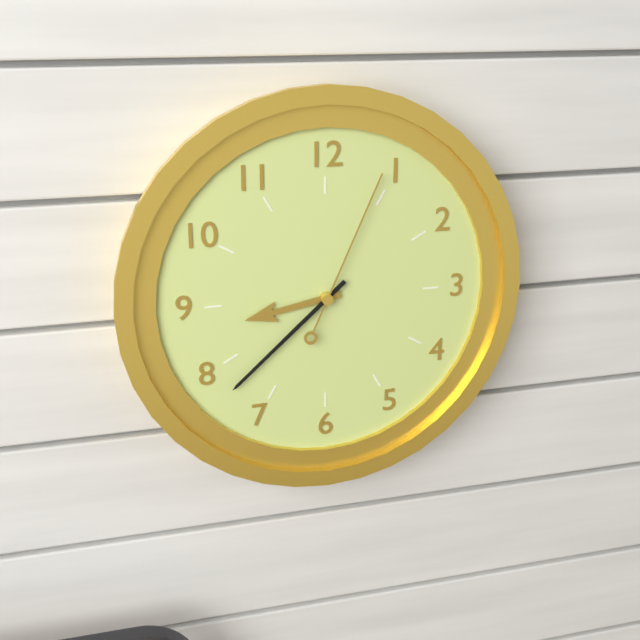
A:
8h38m04s
